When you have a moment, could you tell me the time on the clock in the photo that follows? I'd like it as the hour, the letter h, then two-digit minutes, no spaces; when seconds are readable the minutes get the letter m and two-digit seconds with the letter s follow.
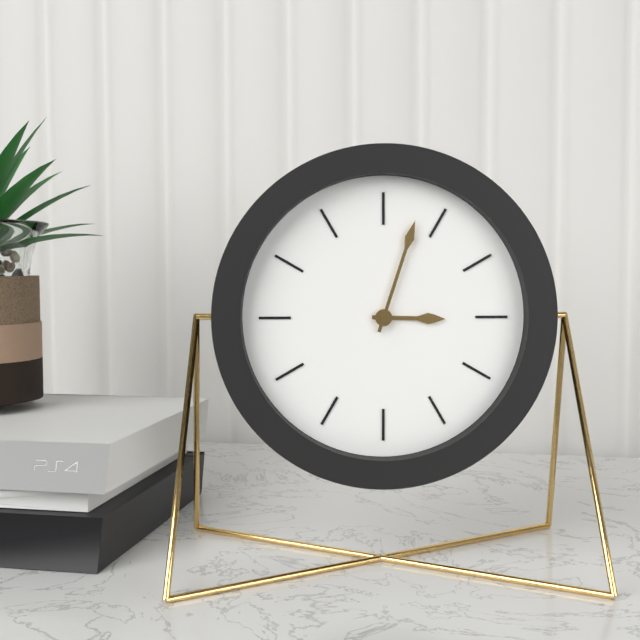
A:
3h03
